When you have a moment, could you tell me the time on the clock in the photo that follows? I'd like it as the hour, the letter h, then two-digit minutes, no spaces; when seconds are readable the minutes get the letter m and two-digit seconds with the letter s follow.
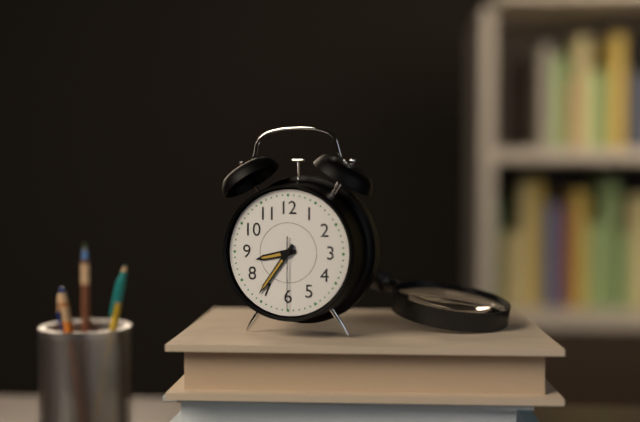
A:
8h36m30s
